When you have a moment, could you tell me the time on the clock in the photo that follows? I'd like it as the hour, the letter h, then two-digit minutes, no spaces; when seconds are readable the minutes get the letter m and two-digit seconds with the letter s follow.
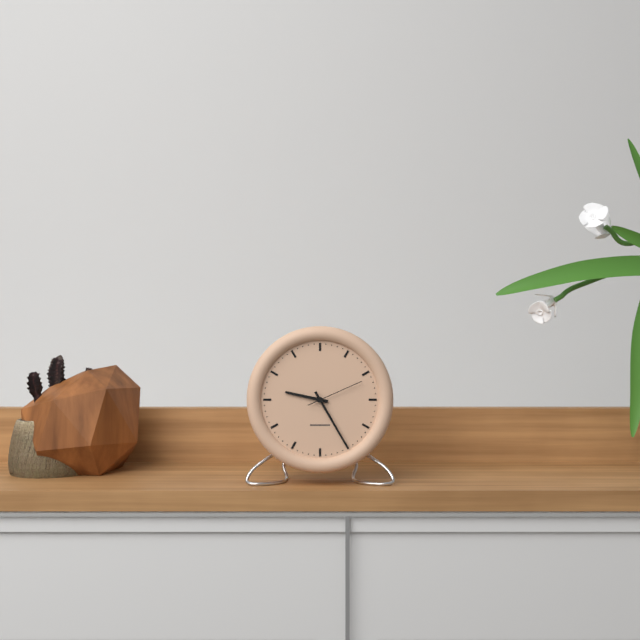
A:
9h25m11s
